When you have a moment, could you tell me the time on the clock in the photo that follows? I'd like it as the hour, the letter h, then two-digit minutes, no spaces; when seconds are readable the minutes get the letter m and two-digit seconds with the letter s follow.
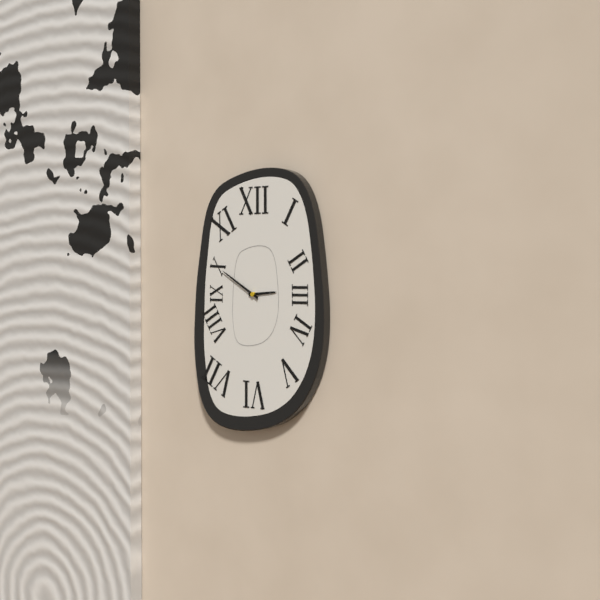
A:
2h50
